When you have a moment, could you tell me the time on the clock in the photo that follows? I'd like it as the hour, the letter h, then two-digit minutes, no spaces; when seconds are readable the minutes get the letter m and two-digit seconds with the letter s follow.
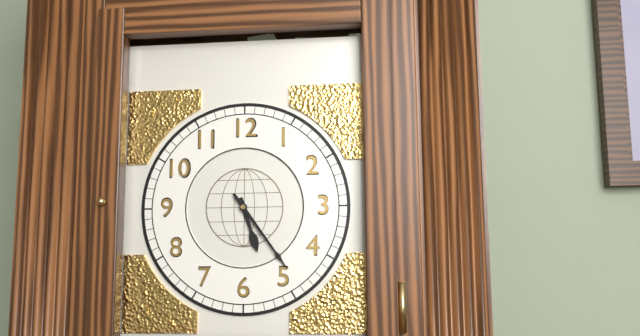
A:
5h24
